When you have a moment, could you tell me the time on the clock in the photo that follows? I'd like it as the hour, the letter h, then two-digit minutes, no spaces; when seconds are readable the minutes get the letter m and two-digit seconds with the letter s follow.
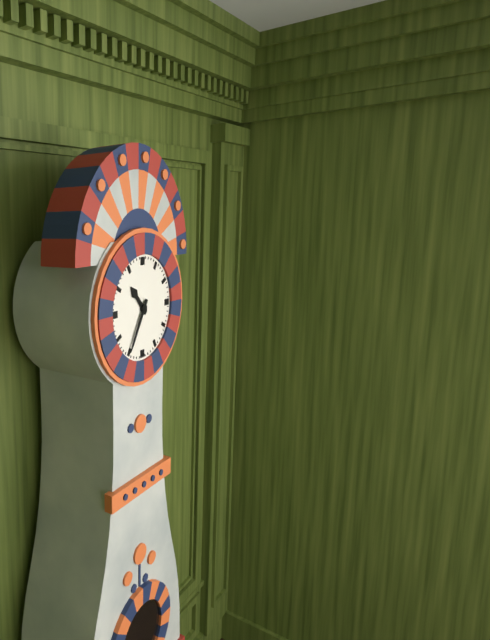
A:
10h35
